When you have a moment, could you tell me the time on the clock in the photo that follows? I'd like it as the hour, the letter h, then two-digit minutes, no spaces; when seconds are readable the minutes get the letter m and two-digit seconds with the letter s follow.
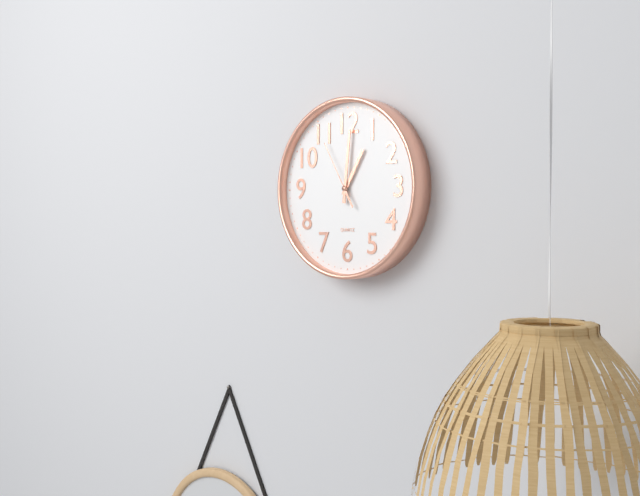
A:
1h01m55s
